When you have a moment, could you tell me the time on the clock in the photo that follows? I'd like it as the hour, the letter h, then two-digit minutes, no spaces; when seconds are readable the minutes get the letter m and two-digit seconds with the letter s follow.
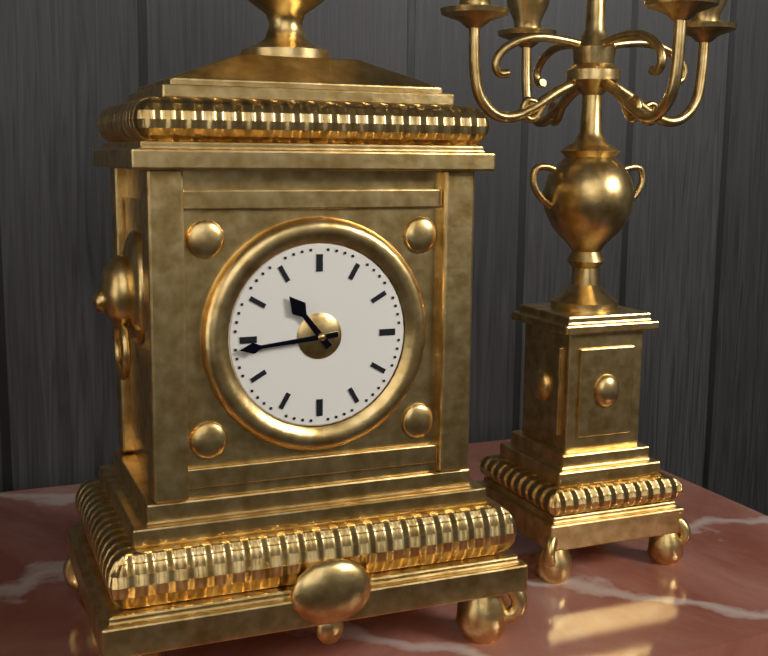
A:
10h44
